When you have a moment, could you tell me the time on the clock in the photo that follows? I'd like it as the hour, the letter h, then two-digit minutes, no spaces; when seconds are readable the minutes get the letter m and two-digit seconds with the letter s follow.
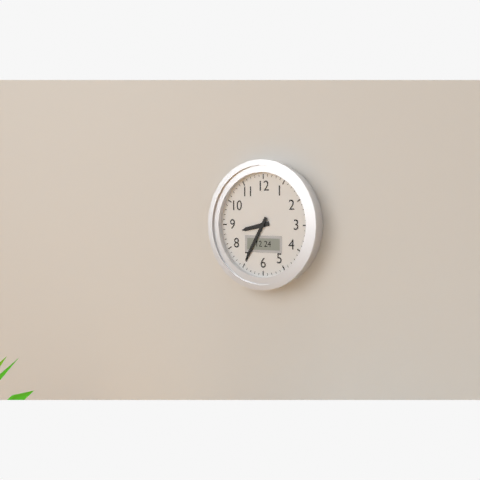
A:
8h35
